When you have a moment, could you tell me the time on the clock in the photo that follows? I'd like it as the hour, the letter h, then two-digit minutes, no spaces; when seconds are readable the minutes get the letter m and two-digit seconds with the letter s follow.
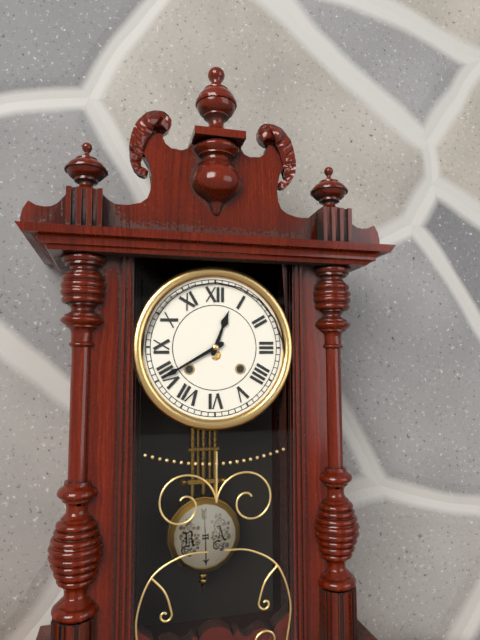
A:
12h40
